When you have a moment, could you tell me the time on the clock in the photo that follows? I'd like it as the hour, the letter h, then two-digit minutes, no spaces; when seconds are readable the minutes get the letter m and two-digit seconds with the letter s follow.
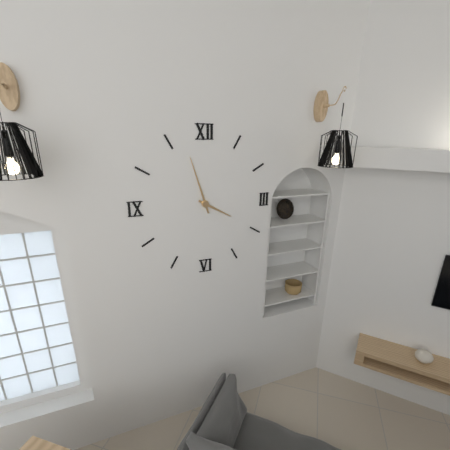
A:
3h57
